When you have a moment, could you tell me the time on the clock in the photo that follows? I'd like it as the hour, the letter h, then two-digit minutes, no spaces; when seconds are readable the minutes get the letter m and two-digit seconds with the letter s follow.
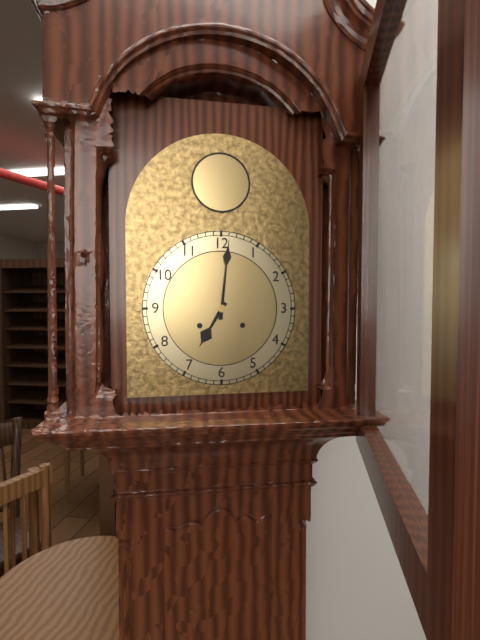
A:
7h01
